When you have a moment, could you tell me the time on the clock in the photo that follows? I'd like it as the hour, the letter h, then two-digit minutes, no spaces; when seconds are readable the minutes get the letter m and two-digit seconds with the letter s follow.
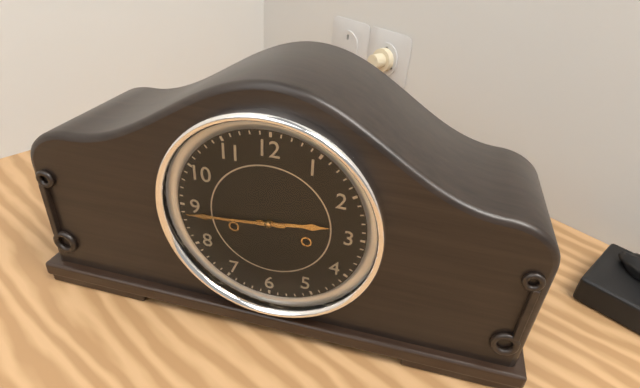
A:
2h44
